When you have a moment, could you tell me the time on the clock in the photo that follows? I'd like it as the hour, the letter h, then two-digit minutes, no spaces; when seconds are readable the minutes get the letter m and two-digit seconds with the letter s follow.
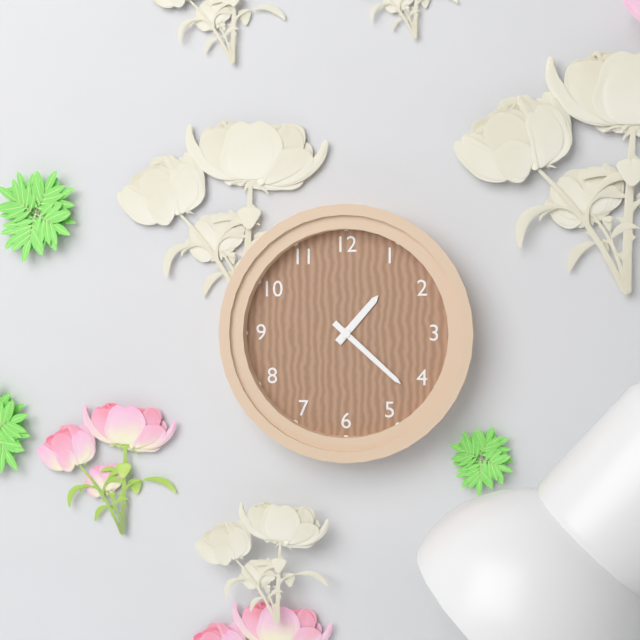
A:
1h22
